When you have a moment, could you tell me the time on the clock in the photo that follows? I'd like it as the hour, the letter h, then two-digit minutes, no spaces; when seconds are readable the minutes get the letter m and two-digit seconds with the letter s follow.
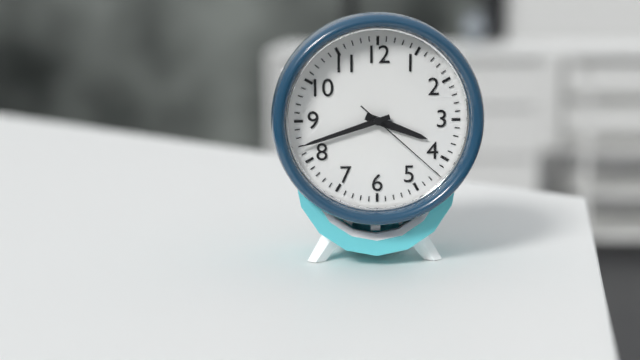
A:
3h42m22s
